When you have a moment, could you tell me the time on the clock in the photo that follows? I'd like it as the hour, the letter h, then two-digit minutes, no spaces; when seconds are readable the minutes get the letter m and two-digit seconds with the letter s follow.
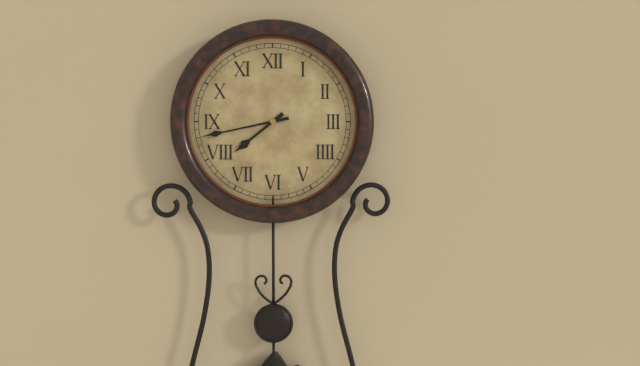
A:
7h43
